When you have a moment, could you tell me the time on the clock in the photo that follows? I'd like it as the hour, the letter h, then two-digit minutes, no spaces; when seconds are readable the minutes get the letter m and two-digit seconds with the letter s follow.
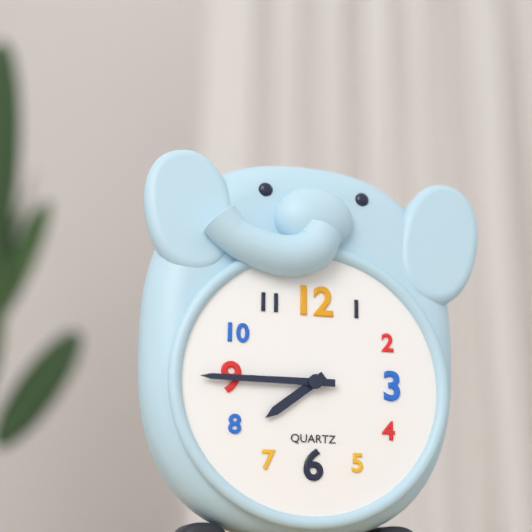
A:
7h45
